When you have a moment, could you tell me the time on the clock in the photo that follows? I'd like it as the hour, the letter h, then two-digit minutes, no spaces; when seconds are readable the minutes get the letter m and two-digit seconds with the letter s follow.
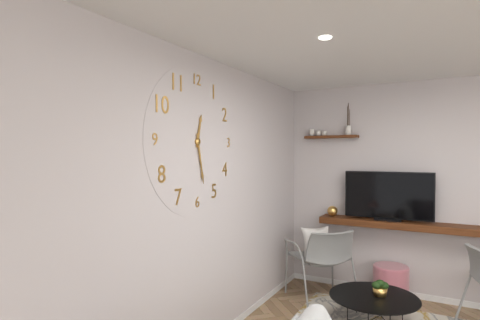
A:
12h28
